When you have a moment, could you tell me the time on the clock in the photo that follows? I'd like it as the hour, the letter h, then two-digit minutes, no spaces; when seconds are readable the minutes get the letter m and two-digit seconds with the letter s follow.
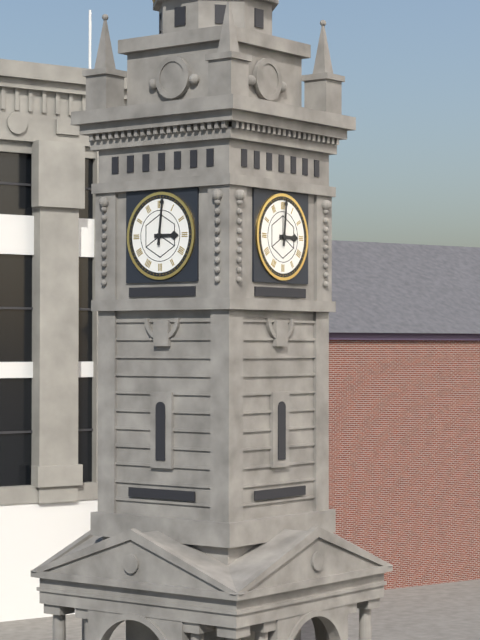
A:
3h01
